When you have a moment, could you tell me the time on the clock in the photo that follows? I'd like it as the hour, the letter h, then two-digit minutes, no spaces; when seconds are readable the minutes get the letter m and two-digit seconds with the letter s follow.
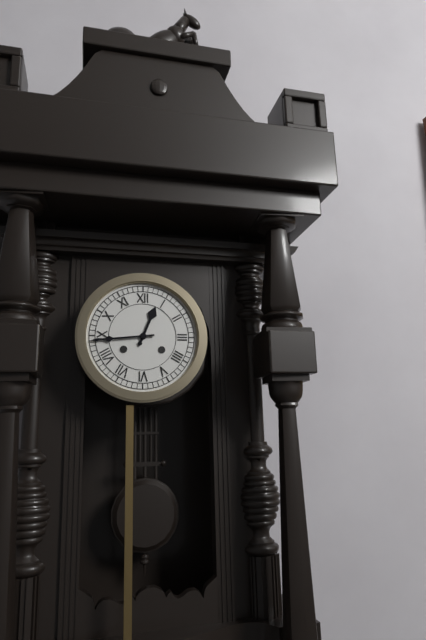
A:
12h44
